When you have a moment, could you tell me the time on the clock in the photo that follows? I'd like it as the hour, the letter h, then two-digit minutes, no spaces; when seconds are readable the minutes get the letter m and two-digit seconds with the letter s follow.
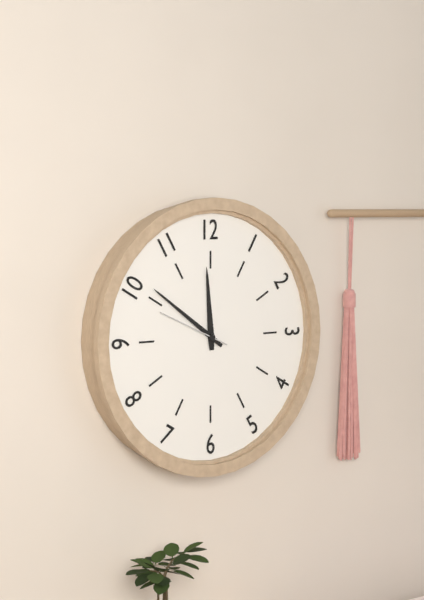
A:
11h51m49s
